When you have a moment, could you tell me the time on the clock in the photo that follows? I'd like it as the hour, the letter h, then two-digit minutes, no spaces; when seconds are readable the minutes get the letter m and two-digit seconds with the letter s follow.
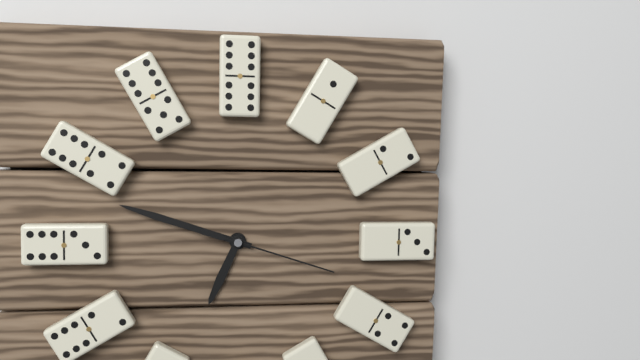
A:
6h48m18s
